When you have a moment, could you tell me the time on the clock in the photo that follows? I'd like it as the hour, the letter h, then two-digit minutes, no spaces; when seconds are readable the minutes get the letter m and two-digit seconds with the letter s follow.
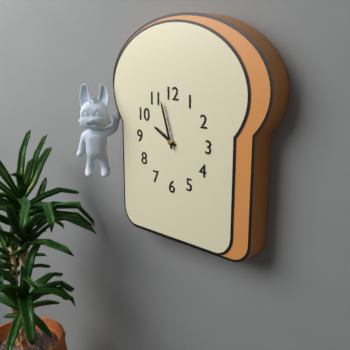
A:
9h57
